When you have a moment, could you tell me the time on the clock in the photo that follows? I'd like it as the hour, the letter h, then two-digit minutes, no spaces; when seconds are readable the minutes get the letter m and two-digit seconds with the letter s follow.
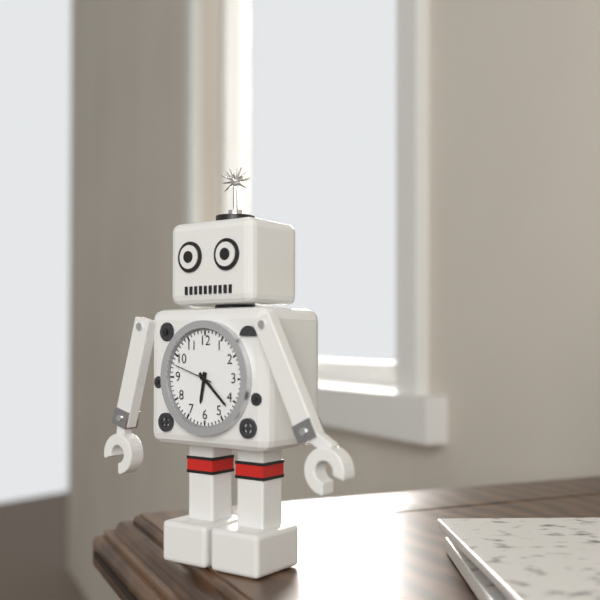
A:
6h22m48s
